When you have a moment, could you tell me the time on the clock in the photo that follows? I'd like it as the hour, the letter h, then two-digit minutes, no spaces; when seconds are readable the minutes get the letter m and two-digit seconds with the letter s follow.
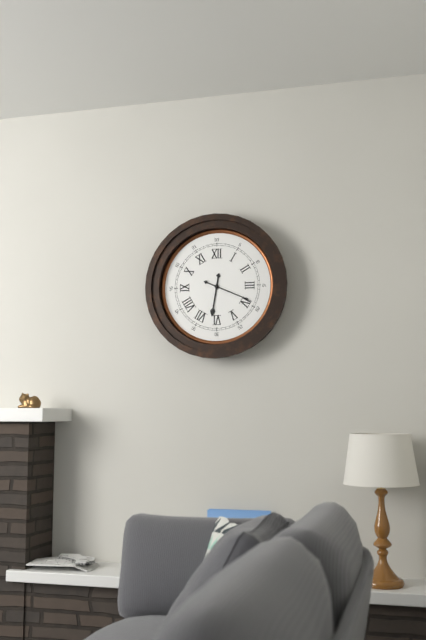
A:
6h19
